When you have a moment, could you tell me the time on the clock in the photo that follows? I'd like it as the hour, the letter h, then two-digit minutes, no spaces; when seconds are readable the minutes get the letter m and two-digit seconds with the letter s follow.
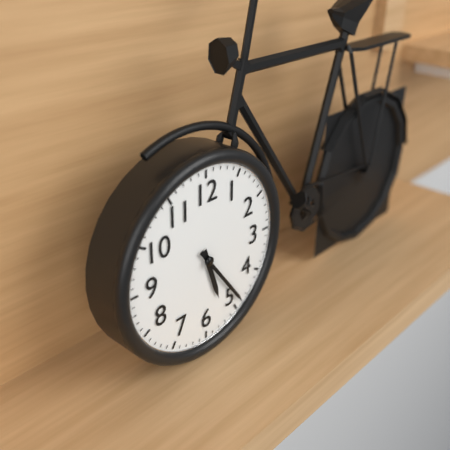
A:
5h24
